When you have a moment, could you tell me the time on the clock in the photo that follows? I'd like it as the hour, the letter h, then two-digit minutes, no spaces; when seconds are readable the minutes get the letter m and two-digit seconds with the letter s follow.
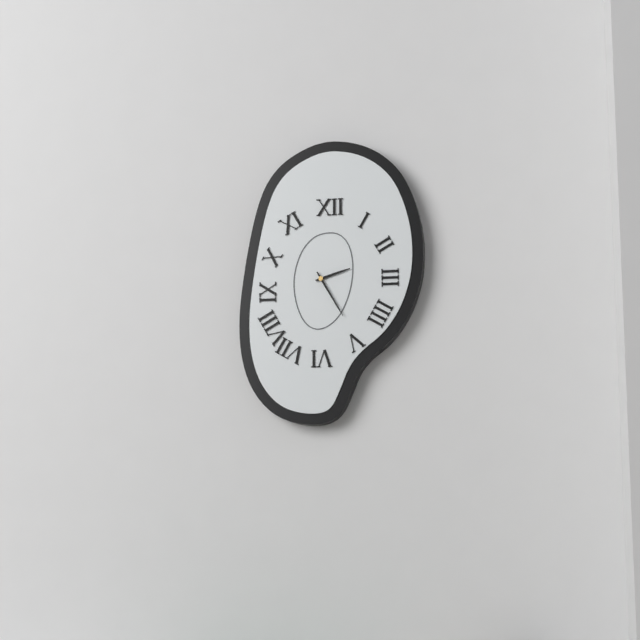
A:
2h25
